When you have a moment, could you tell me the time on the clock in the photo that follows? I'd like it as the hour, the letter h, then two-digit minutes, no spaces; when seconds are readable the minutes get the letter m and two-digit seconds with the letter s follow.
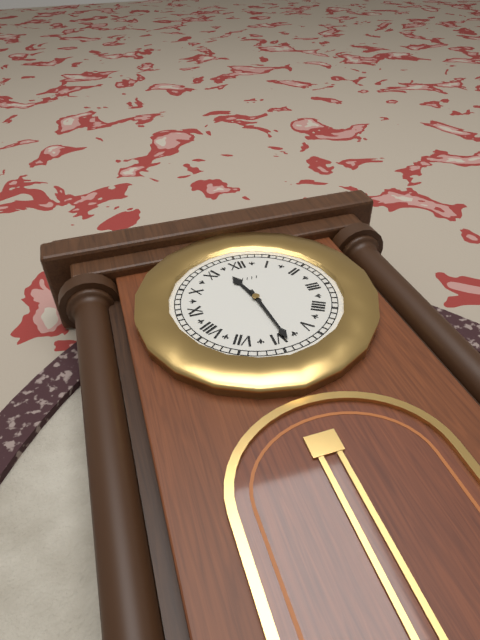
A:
11h29
